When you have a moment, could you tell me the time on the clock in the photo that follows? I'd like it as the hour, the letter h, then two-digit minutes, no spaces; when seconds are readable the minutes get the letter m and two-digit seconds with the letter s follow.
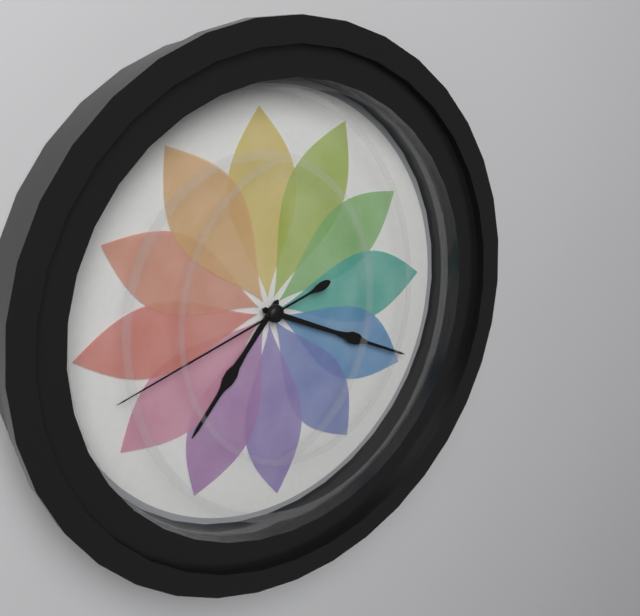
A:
7h19m42s
